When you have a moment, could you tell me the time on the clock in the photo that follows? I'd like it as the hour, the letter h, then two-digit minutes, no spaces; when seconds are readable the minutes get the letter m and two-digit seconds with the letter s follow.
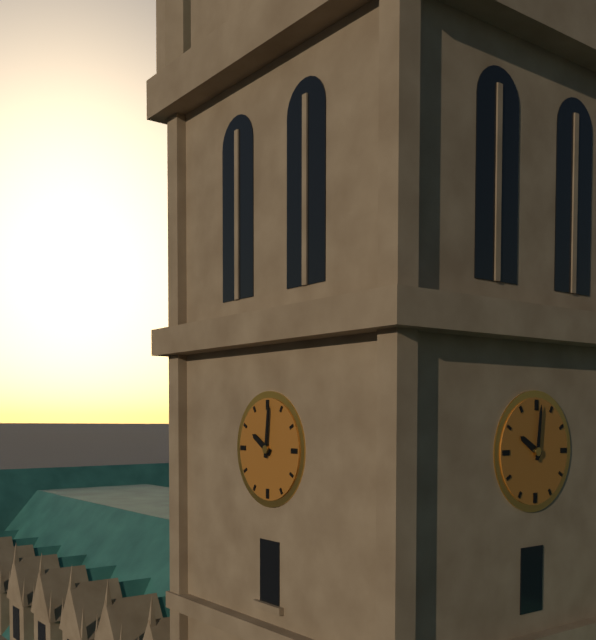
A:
10h01
